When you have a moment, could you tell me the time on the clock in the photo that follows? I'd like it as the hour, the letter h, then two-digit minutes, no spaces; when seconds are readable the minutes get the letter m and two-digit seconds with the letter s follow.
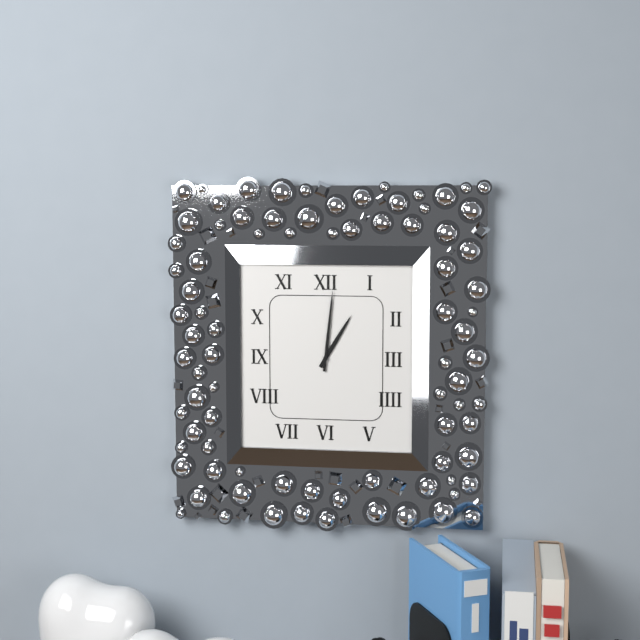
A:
1h01
